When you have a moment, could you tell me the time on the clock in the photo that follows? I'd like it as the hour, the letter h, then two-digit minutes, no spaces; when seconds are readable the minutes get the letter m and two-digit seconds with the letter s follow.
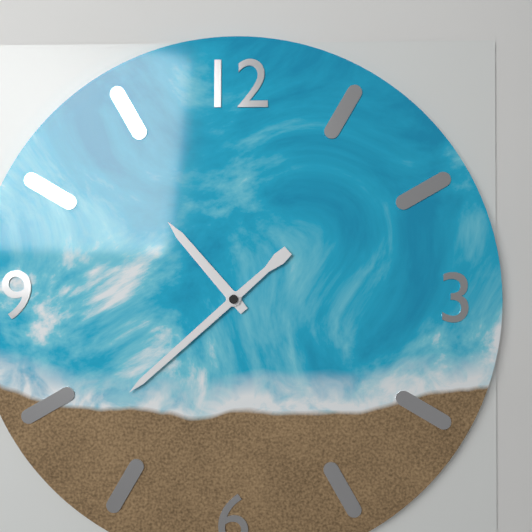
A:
10h38
